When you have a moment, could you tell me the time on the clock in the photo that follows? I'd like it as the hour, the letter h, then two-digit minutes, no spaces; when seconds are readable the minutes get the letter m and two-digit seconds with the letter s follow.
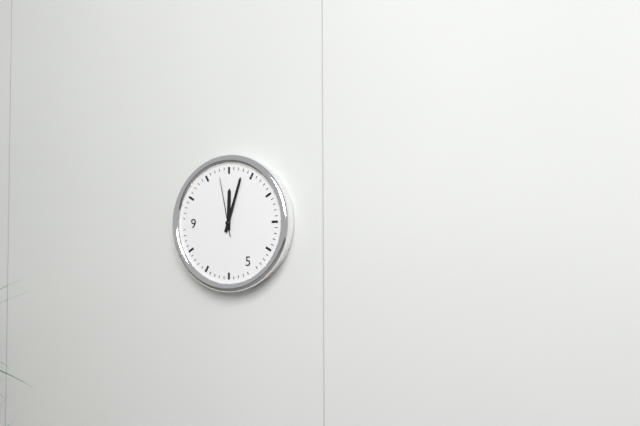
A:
12h03m58s
